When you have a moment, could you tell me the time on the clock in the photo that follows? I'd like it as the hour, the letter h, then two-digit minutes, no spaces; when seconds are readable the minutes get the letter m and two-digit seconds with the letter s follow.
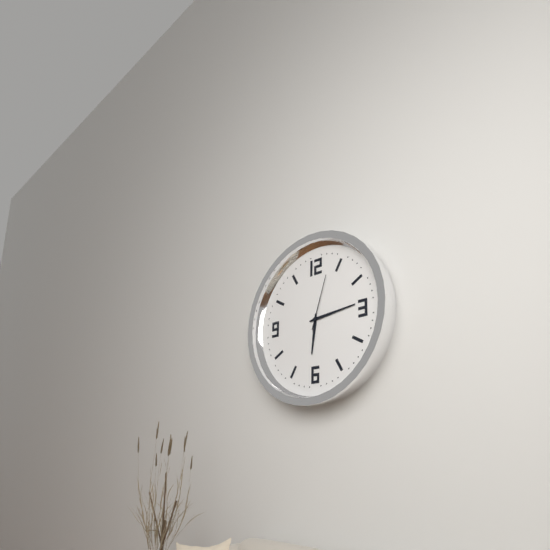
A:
6h14m03s
